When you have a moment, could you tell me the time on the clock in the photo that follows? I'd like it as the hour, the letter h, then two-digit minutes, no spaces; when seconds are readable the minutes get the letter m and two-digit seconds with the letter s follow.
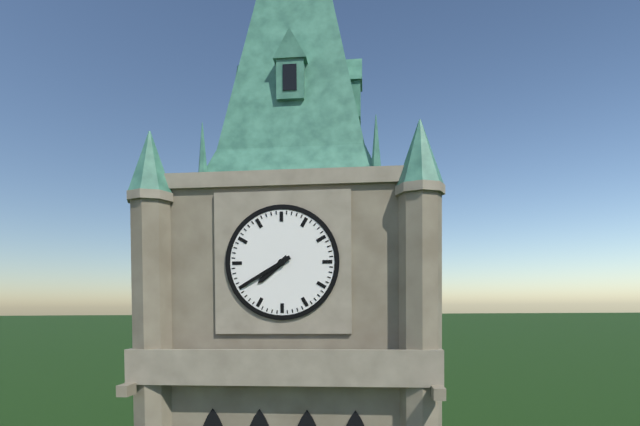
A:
7h40
